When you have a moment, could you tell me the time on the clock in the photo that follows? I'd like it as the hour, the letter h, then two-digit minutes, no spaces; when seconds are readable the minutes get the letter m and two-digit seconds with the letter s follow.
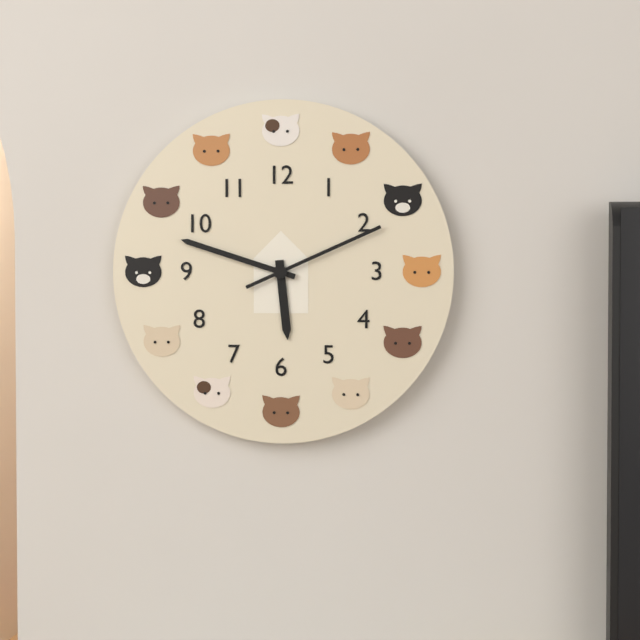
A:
5h48m11s
